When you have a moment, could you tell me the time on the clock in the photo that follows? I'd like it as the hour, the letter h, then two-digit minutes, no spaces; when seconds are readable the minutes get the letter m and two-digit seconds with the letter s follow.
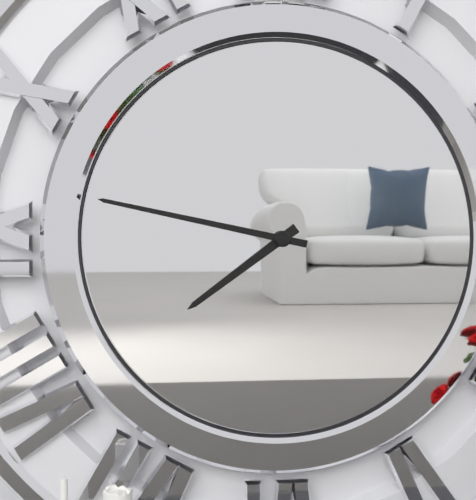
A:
7h47
